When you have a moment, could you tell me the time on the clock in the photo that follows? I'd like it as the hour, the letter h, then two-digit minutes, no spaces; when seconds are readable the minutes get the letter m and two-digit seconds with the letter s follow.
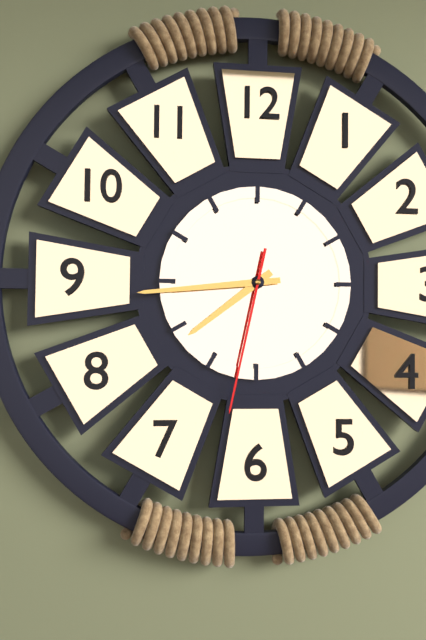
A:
7h44m32s
